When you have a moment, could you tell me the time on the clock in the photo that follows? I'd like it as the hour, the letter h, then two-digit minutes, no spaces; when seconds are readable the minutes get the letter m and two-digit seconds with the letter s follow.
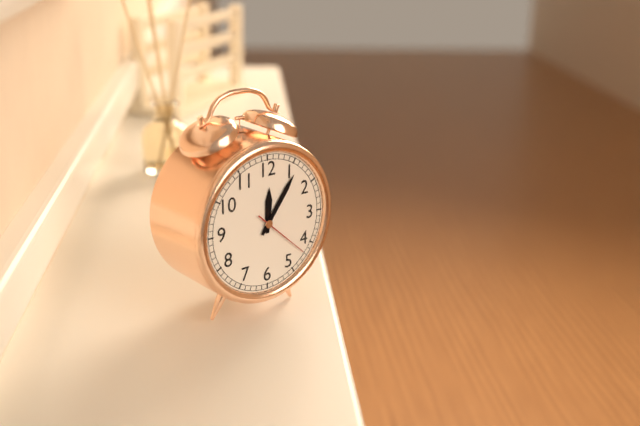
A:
12h06m22s
